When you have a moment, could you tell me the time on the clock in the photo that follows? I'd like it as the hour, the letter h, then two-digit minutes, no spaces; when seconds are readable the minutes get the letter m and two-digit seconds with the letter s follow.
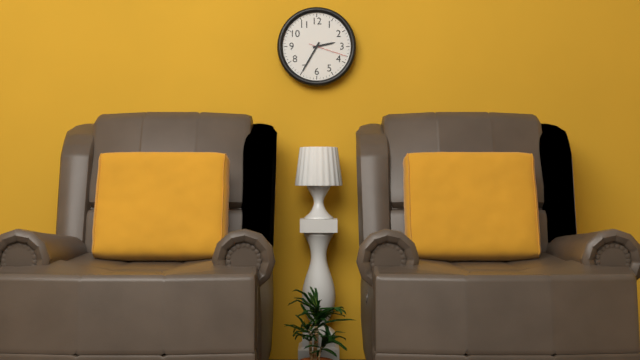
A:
2h35
